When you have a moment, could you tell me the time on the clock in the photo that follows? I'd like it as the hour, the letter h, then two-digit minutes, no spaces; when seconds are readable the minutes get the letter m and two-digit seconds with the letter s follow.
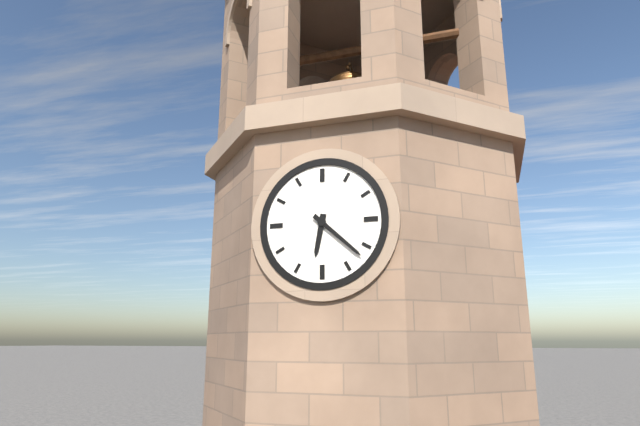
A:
6h22
